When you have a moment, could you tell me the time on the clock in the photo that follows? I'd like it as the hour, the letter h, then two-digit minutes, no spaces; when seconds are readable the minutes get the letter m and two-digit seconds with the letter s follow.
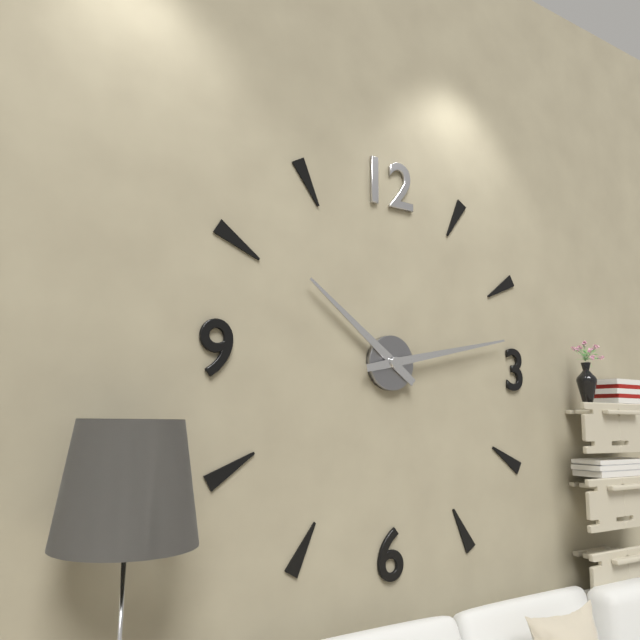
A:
10h13
